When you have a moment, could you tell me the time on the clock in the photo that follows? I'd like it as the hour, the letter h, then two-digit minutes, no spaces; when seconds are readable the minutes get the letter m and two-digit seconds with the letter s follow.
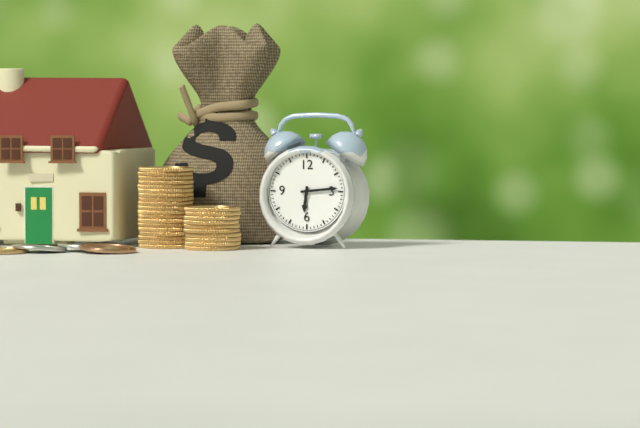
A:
6h14
